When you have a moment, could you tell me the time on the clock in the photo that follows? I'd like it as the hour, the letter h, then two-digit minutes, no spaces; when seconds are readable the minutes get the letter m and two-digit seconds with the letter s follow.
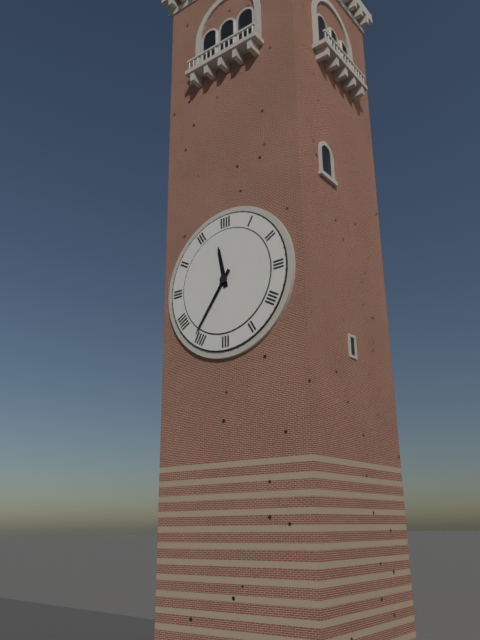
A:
11h36
